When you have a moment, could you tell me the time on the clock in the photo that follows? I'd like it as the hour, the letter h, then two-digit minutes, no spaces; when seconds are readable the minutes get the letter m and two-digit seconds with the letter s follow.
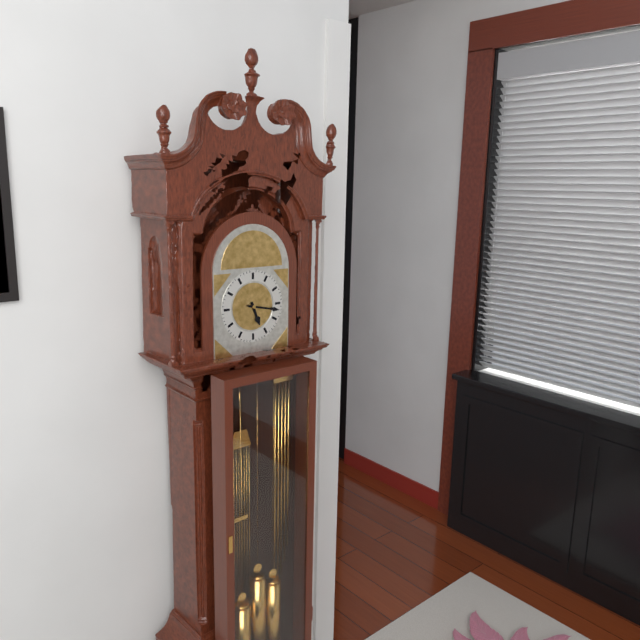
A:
5h17
